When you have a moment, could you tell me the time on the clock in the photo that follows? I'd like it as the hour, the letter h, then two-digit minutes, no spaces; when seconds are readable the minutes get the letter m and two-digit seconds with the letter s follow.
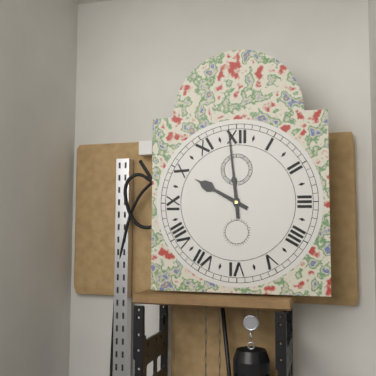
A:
9h59
